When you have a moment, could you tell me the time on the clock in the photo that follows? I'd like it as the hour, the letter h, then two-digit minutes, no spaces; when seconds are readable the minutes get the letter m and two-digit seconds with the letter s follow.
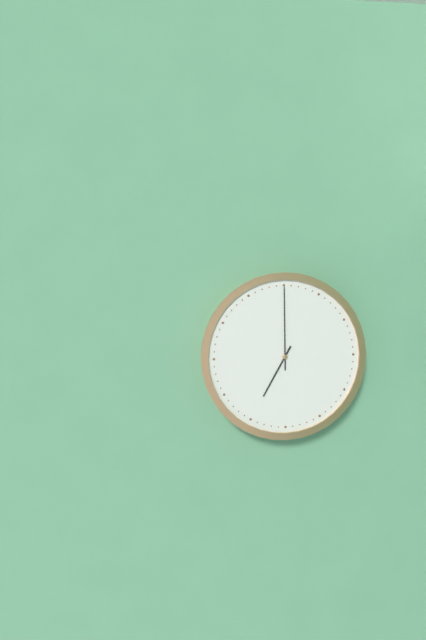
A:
7h00
